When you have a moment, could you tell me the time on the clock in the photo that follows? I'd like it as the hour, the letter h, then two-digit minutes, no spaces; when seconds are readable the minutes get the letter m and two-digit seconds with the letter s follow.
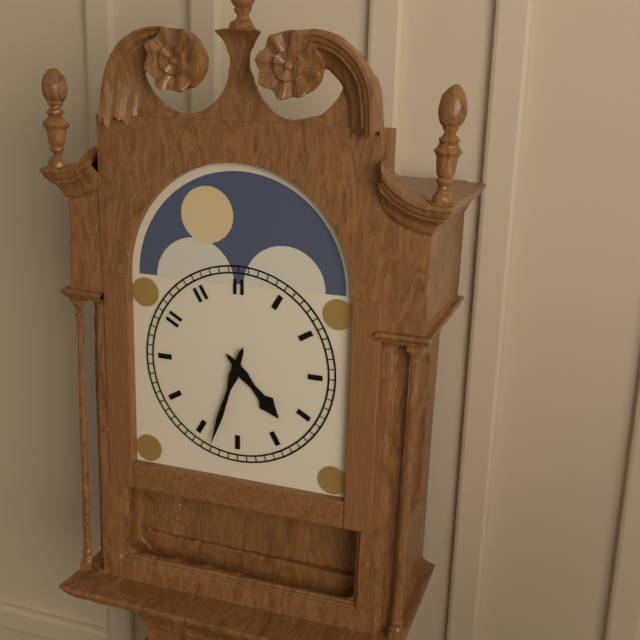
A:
4h33
